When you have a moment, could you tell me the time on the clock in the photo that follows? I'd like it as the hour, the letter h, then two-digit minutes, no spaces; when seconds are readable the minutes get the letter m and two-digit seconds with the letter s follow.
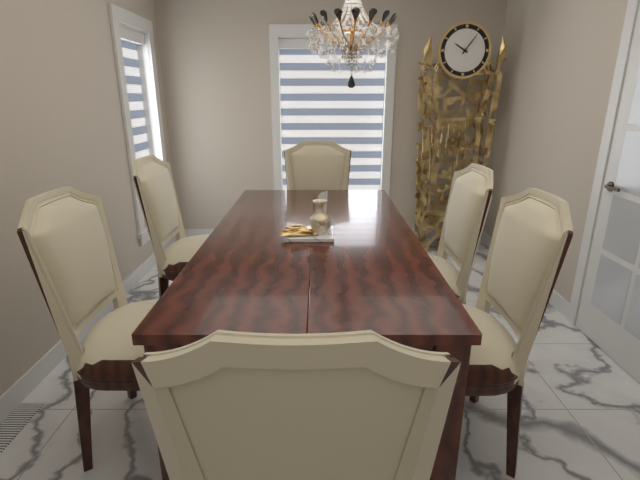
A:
10h06
